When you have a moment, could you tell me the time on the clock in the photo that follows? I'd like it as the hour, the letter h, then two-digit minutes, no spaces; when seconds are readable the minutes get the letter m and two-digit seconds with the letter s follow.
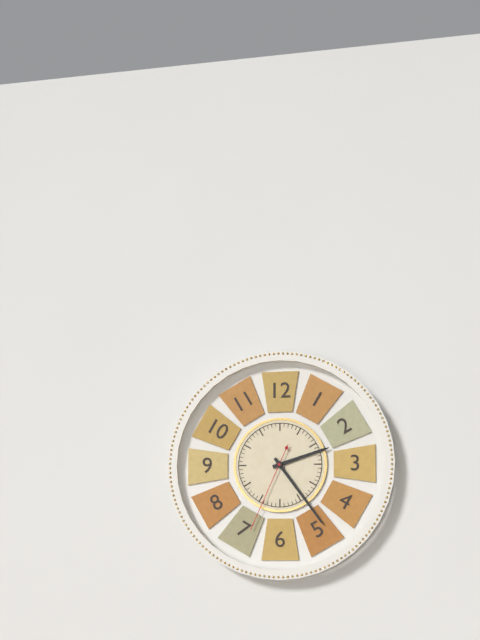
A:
2h24m34s
